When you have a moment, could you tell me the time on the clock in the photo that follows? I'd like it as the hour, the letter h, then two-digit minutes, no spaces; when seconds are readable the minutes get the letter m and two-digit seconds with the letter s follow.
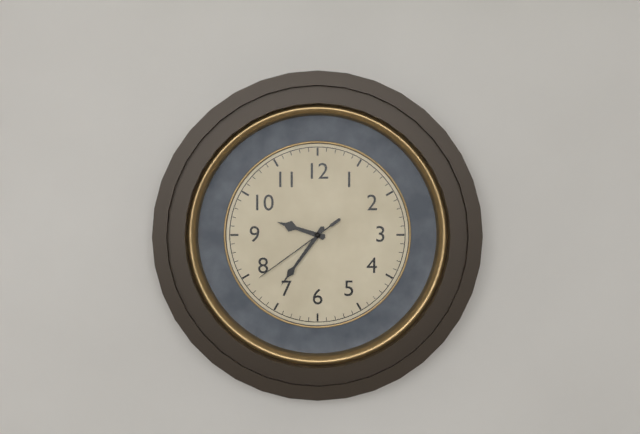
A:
9h36m39s
